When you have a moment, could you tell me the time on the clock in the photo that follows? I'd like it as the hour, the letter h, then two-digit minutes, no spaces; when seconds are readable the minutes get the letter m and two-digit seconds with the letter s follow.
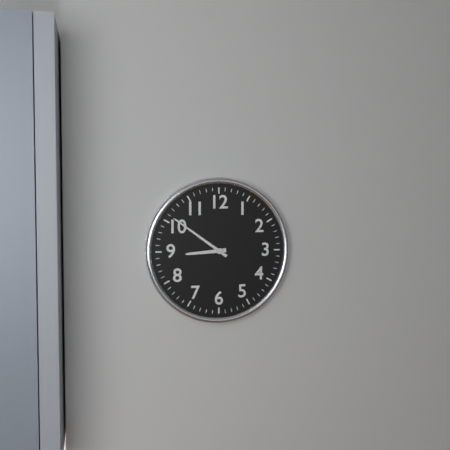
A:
8h51
